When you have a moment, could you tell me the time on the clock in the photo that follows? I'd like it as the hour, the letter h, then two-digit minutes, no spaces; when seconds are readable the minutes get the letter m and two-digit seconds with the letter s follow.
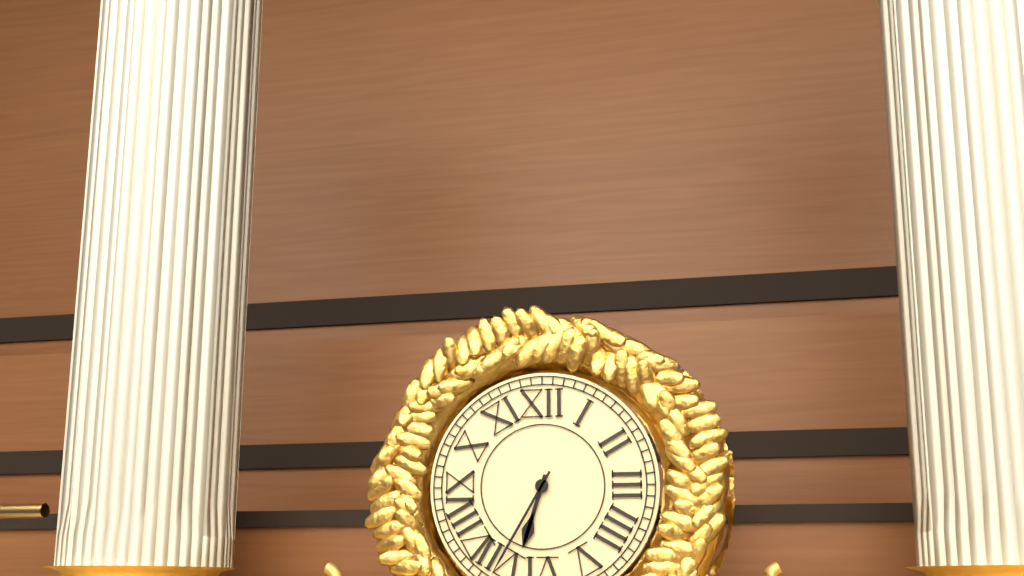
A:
6h35
